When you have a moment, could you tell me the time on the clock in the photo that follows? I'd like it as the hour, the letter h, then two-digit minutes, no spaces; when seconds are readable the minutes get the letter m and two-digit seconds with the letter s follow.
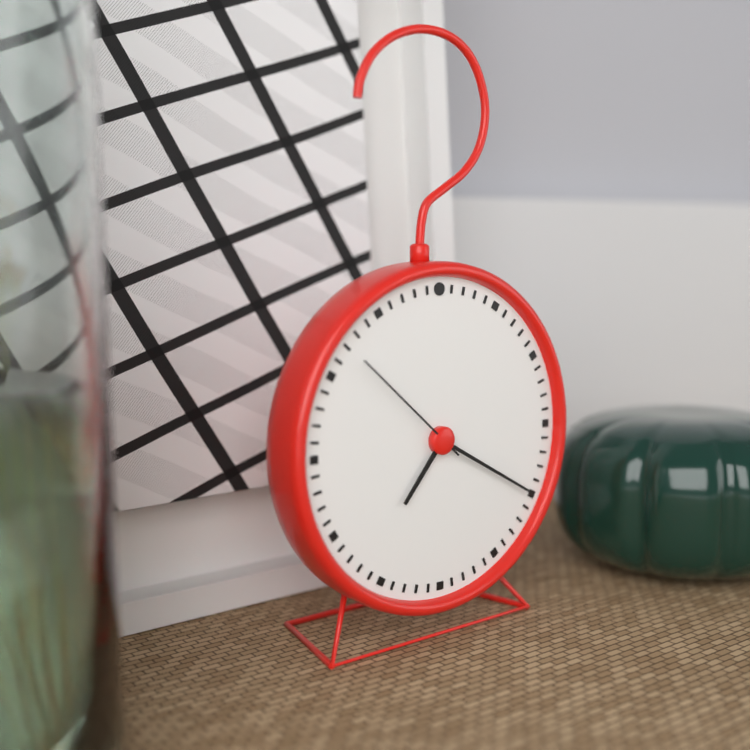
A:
7h20m52s
